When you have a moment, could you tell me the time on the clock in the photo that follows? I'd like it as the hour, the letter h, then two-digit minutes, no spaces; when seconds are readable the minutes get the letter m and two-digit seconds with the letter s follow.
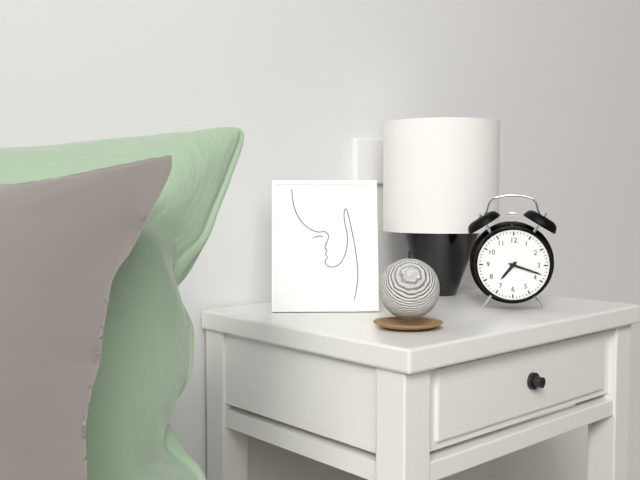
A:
7h18
